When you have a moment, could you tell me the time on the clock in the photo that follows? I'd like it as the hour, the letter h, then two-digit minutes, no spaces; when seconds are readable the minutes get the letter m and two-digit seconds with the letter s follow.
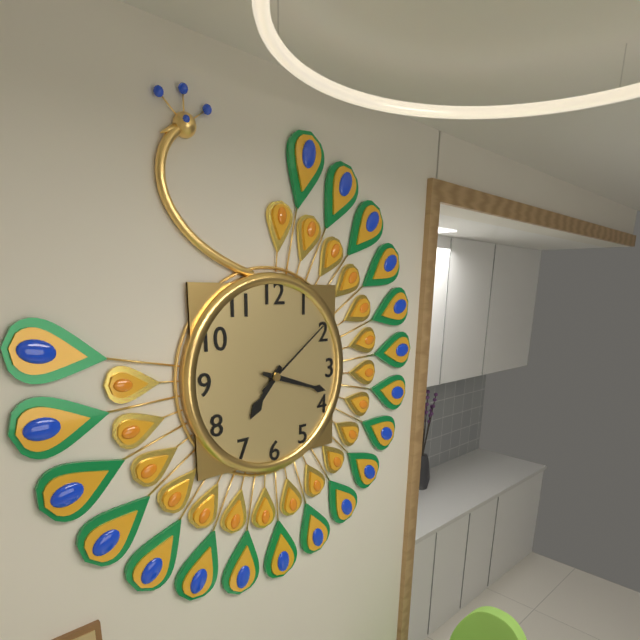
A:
7h18m09s
